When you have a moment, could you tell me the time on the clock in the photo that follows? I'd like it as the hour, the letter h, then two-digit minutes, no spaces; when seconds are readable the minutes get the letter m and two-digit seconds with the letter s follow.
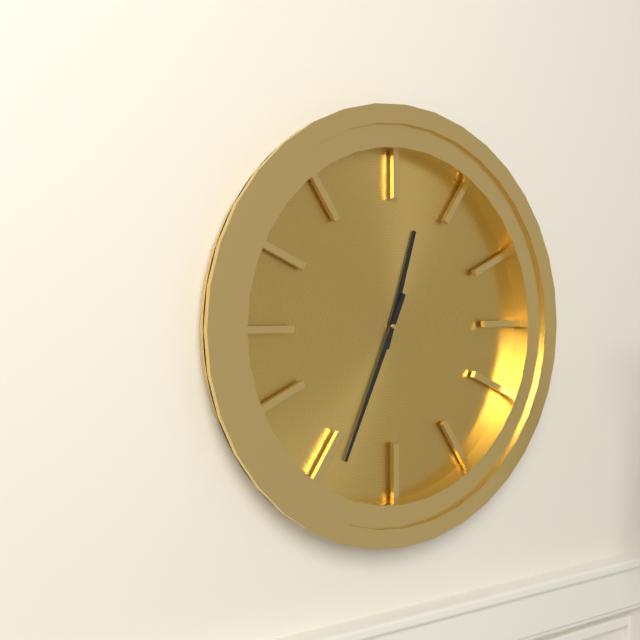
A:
12h34
